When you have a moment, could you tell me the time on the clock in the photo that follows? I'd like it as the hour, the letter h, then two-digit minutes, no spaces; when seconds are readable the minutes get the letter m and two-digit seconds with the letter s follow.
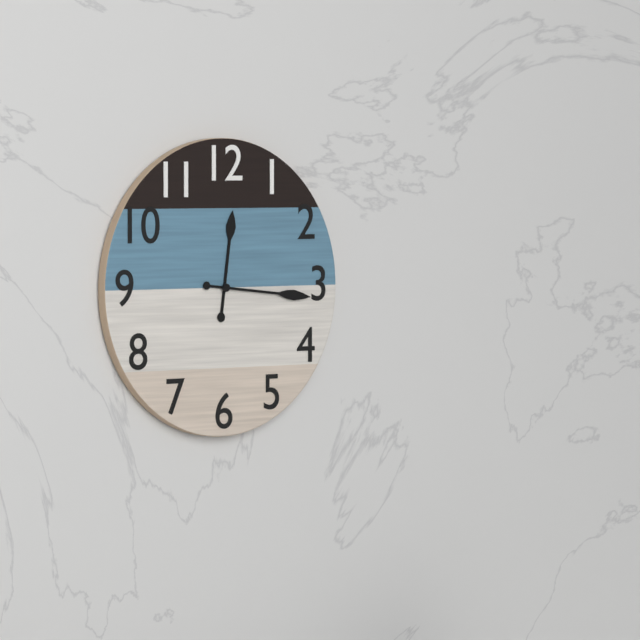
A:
12h16
